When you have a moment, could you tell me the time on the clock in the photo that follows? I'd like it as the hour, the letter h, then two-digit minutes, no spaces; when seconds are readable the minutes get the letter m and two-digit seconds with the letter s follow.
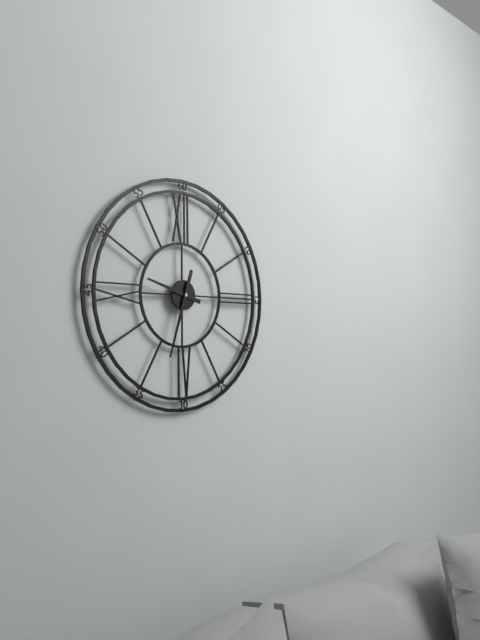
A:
9h33
